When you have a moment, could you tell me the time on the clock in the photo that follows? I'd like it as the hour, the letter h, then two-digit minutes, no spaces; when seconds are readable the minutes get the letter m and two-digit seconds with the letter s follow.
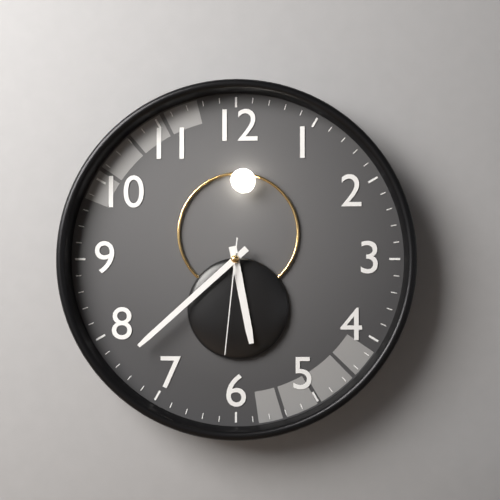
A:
5h38m31s
